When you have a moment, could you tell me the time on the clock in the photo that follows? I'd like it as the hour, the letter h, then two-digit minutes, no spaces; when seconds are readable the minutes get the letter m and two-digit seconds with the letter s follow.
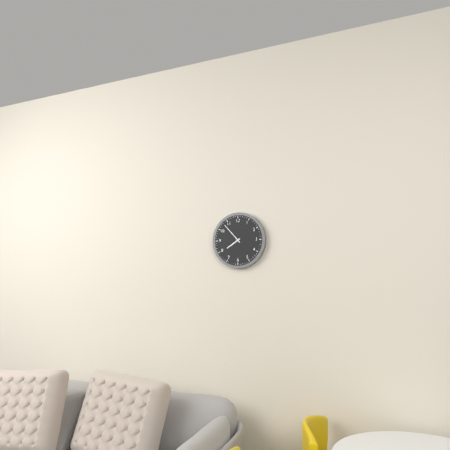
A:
7h53
